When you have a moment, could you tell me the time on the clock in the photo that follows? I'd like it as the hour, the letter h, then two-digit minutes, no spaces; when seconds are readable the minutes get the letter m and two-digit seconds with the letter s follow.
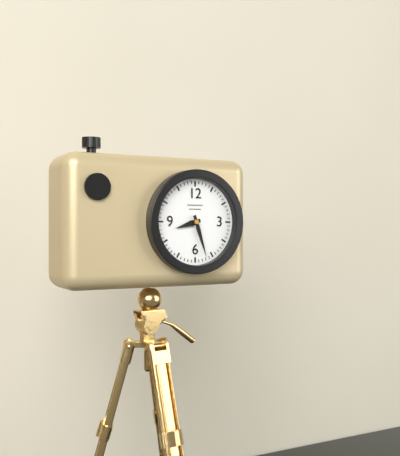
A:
8h27
